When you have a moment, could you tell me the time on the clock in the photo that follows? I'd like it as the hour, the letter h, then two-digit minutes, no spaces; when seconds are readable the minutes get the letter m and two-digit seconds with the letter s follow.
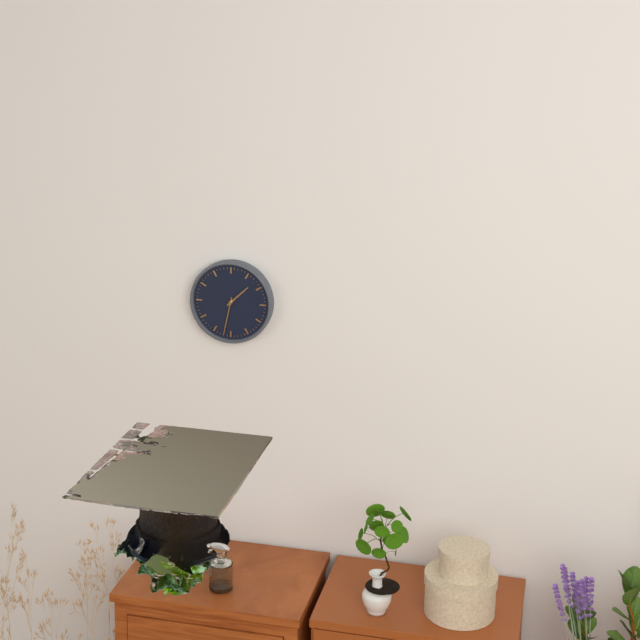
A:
1h32
